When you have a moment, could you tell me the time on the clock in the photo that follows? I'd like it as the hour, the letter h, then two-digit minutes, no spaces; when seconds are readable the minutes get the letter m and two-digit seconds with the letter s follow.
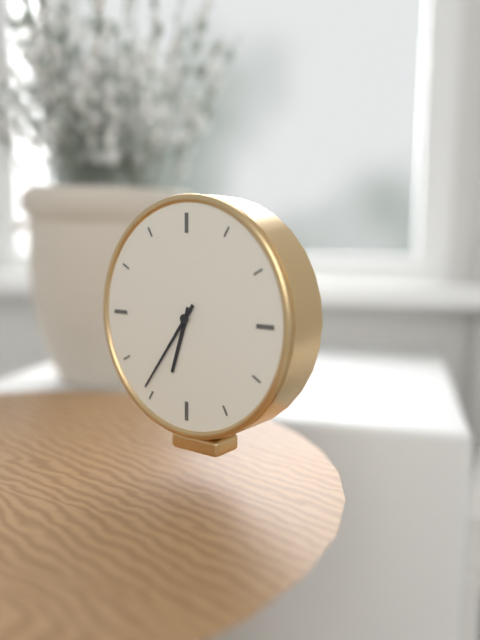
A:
6h36
